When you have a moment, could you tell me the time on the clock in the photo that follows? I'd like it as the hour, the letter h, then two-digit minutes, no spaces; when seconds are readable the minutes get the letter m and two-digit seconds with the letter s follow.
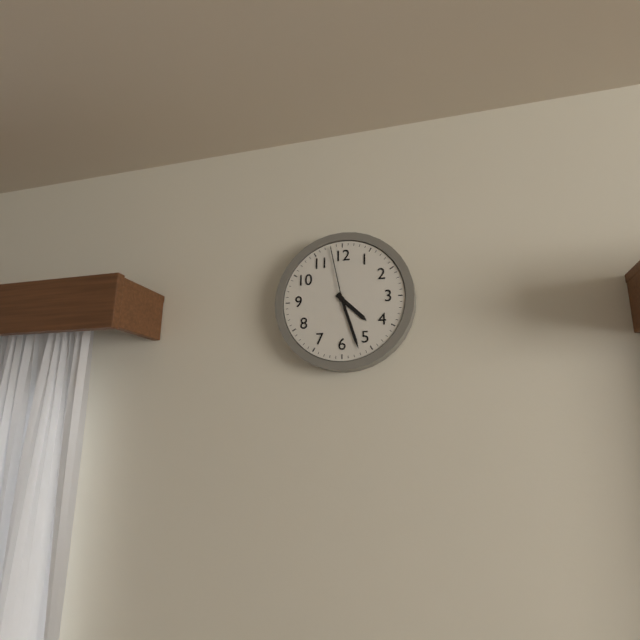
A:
4h27m58s
